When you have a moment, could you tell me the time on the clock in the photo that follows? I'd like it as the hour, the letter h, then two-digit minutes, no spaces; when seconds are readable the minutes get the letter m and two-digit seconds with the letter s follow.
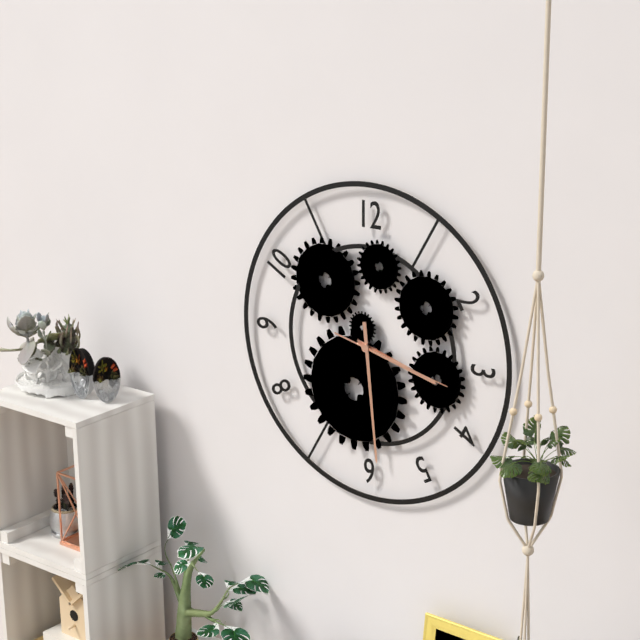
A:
3h29m17s
